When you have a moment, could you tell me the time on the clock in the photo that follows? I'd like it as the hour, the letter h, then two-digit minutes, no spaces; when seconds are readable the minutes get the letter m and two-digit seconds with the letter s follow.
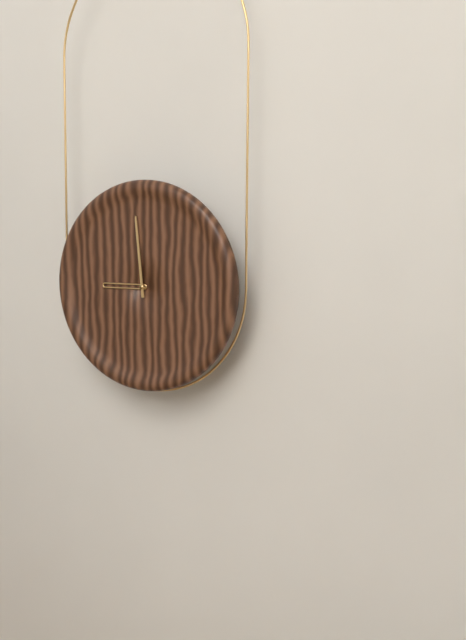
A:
8h59
